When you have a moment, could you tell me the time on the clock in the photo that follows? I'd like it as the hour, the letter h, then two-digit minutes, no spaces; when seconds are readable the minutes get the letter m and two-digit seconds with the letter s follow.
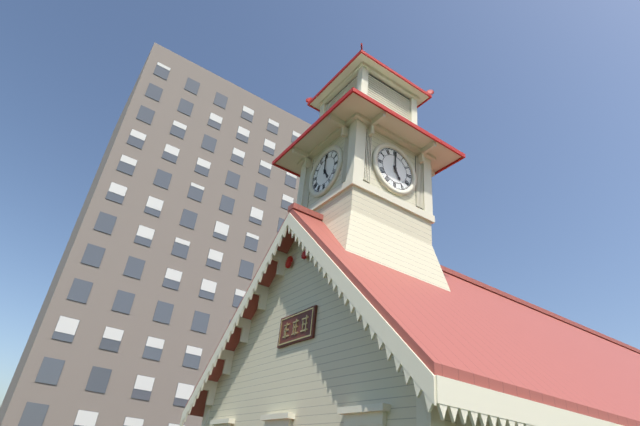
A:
5h00
